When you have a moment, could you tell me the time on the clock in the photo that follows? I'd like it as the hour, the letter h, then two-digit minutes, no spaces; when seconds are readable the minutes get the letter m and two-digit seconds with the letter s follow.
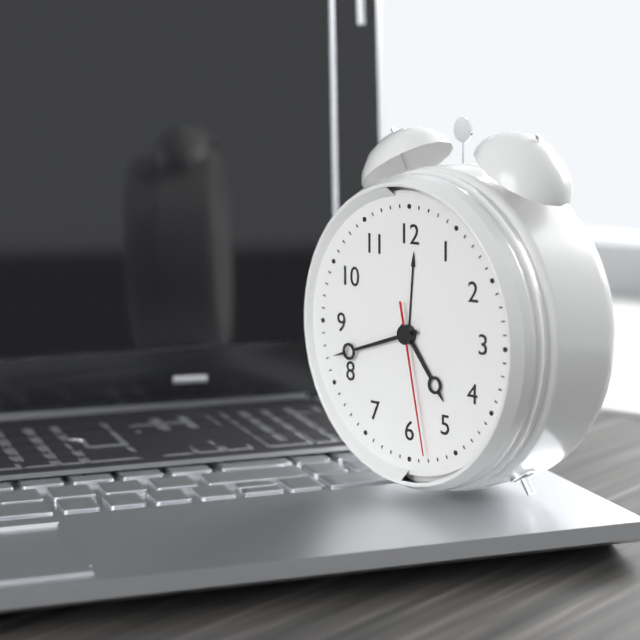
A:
4h42m28s
